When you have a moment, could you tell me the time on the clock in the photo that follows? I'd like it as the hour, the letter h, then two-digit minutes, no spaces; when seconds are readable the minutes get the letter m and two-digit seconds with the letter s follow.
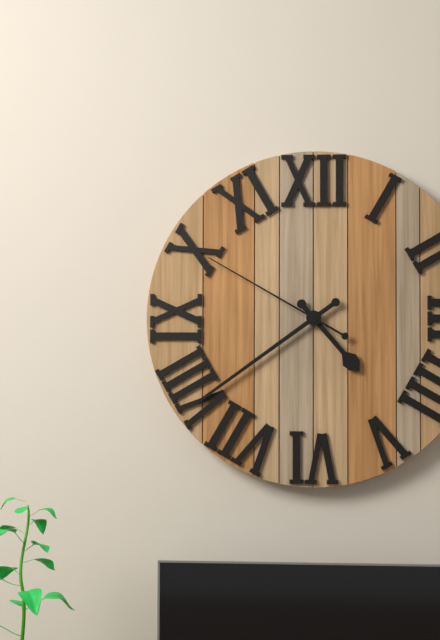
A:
4h39m50s
